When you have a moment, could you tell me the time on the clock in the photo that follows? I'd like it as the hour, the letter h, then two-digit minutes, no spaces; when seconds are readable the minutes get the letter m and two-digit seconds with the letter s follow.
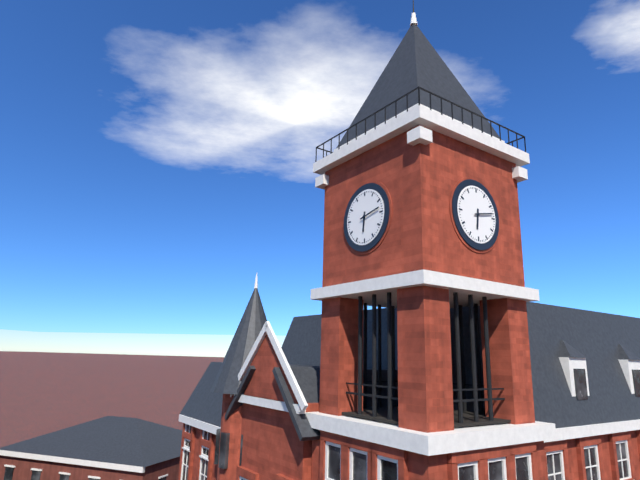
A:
6h13
